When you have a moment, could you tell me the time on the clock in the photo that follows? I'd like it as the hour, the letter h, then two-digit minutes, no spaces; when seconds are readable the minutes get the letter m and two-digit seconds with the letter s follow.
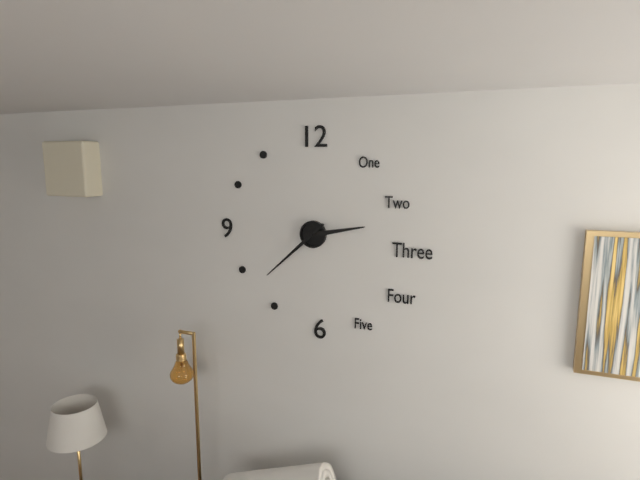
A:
2h38
